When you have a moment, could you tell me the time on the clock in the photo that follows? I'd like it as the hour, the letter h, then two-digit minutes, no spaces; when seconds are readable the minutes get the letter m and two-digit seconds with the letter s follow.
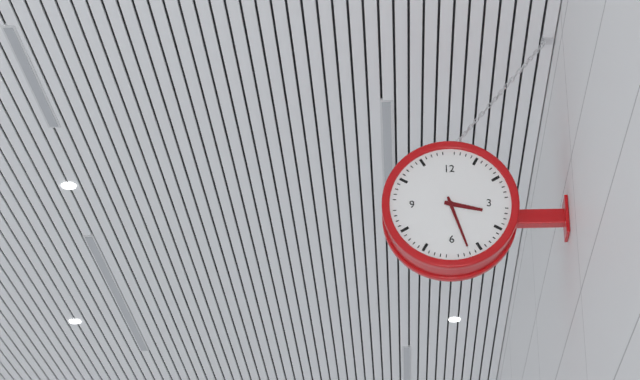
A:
3h27
